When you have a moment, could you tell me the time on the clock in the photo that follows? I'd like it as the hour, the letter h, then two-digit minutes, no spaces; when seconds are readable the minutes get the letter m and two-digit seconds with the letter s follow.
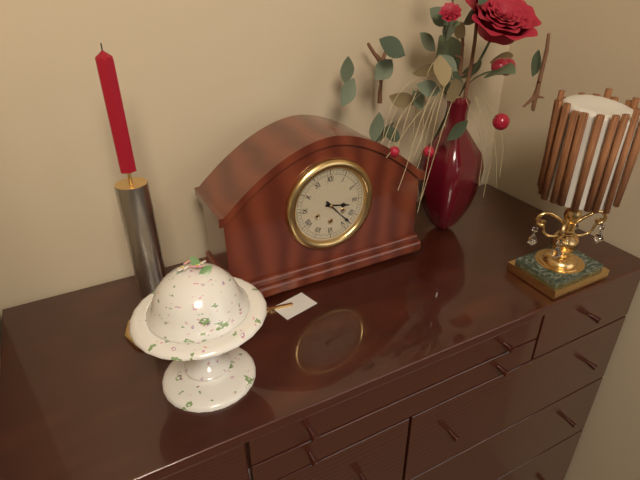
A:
3h23
